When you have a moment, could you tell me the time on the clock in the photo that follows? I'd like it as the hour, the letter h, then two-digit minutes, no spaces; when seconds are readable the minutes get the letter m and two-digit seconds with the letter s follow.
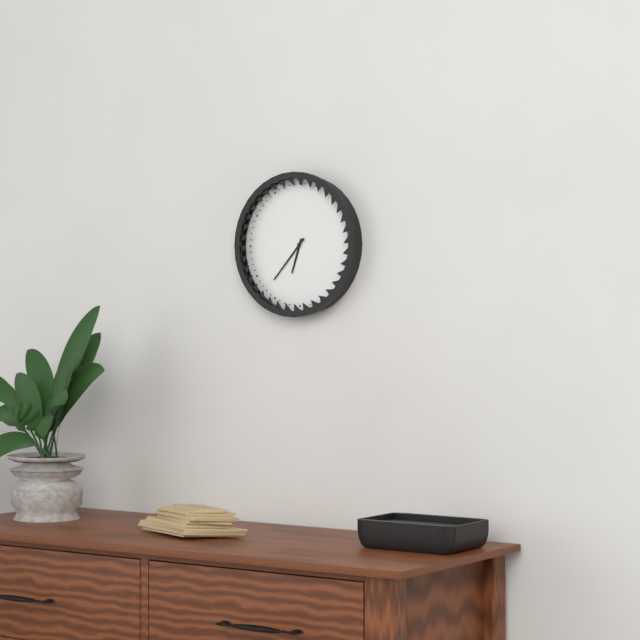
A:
6h37
